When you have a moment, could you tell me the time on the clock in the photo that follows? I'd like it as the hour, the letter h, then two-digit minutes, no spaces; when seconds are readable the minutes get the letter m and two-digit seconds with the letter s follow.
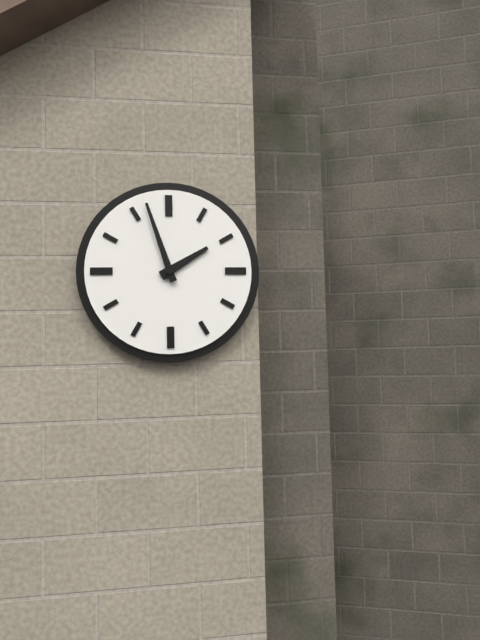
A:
1h57
